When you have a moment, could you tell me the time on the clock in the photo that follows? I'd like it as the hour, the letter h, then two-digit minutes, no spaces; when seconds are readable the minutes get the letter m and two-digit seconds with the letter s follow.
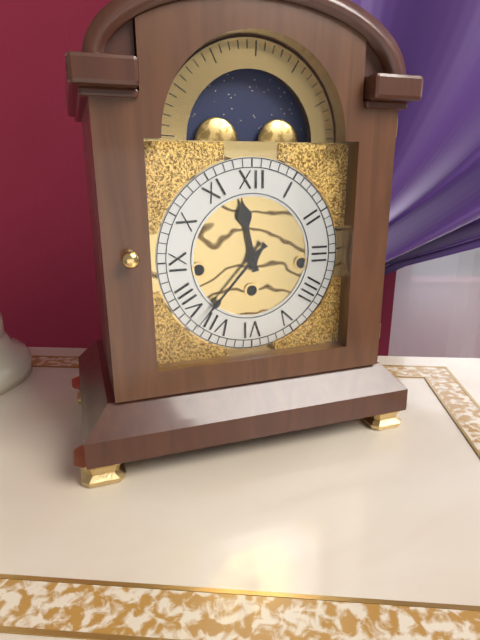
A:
11h37
